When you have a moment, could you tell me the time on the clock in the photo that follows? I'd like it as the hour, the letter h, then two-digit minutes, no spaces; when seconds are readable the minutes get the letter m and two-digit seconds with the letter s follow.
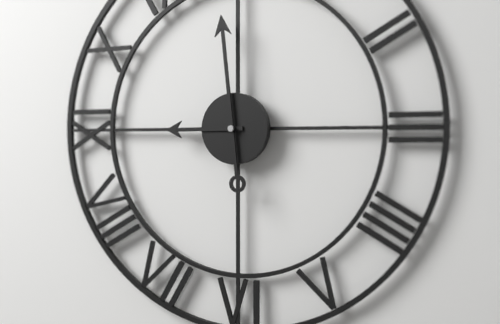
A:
8h59
